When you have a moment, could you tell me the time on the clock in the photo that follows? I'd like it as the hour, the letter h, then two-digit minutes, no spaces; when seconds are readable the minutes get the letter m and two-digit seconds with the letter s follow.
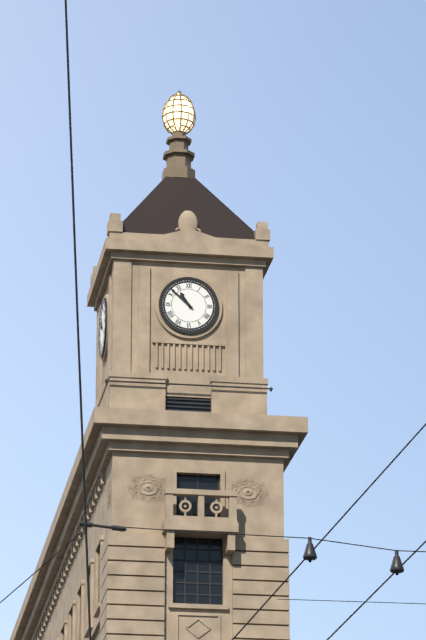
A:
10h52
